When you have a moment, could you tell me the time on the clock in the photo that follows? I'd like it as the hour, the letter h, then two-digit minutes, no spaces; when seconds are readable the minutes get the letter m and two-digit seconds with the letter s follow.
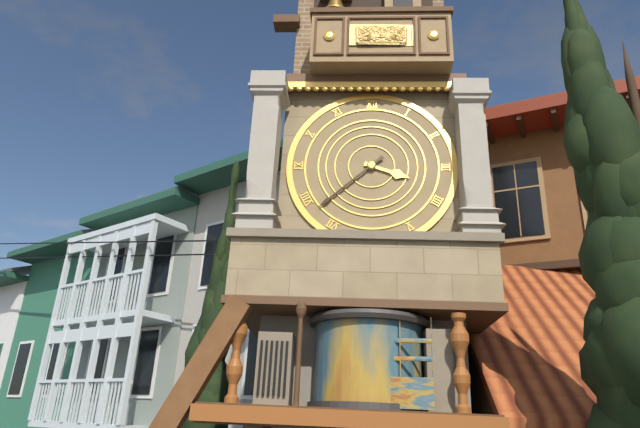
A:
3h38
